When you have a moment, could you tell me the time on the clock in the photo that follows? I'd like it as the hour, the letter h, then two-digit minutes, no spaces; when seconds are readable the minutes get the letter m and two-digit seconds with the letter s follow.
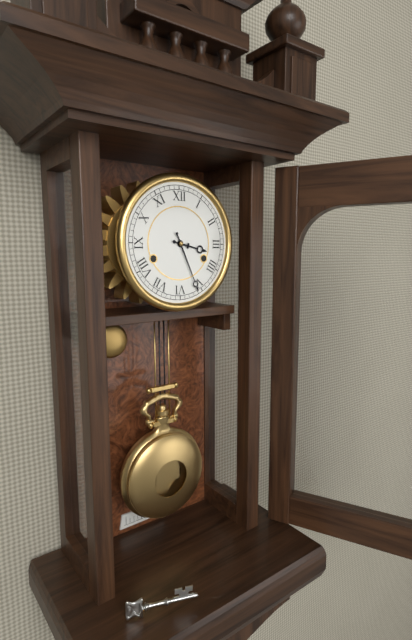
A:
3h26
